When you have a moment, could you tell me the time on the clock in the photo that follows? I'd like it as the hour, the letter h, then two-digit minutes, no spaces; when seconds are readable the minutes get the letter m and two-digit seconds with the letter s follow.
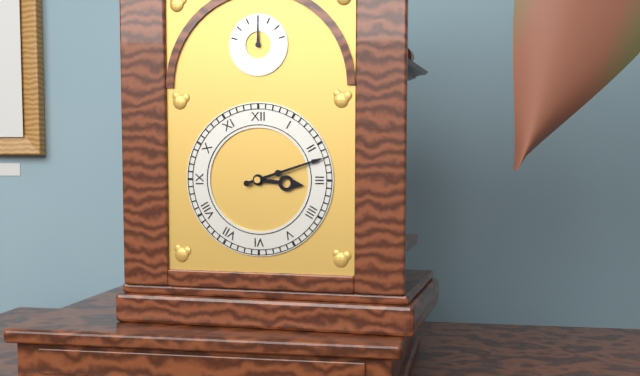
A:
3h12
